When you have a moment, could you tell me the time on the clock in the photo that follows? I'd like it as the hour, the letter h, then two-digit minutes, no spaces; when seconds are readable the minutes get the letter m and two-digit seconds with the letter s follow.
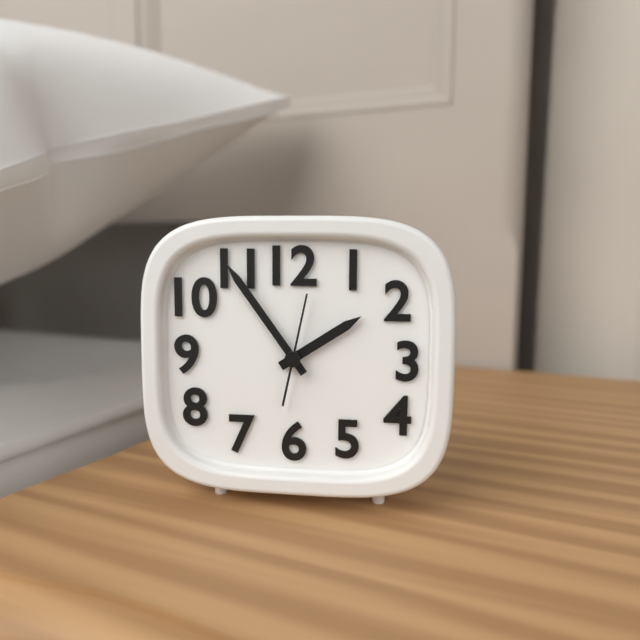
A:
1h54m02s
